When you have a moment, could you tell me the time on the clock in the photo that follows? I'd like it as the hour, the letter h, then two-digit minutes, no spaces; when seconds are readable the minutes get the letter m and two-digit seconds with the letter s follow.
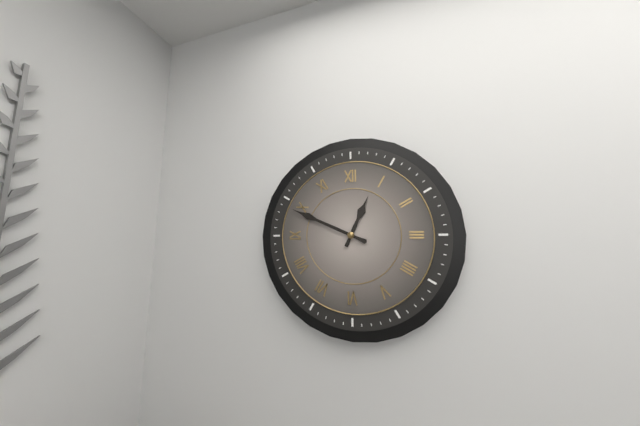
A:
12h49
